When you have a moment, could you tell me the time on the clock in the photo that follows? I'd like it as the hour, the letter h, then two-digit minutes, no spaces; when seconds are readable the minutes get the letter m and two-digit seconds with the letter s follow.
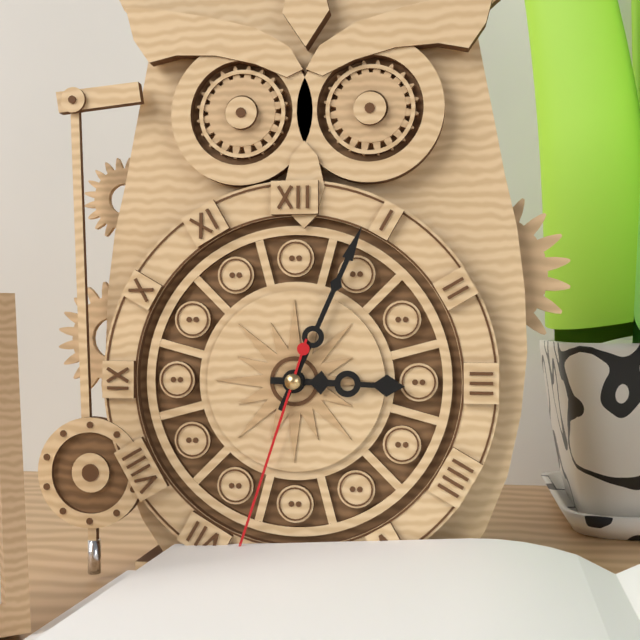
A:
3h04m33s
